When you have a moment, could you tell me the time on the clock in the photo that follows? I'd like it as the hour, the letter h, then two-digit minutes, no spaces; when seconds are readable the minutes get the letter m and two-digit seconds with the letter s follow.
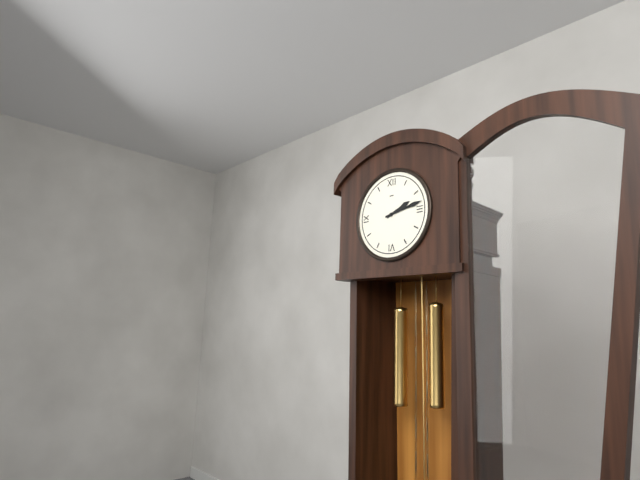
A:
2h13
